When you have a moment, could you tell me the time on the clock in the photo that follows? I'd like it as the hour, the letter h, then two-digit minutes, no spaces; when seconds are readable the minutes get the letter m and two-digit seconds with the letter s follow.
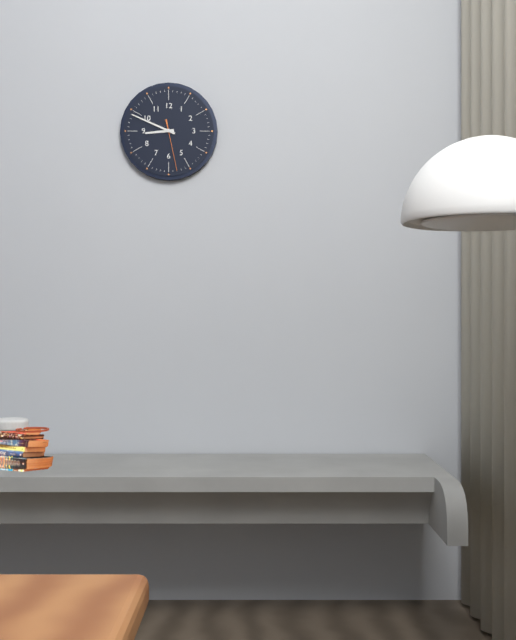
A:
8h49m28s
